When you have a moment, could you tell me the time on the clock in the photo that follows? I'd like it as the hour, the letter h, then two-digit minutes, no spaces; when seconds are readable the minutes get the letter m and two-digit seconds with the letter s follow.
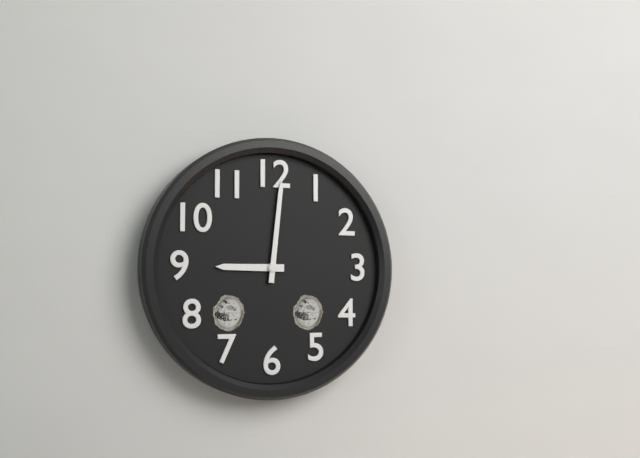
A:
9h01
